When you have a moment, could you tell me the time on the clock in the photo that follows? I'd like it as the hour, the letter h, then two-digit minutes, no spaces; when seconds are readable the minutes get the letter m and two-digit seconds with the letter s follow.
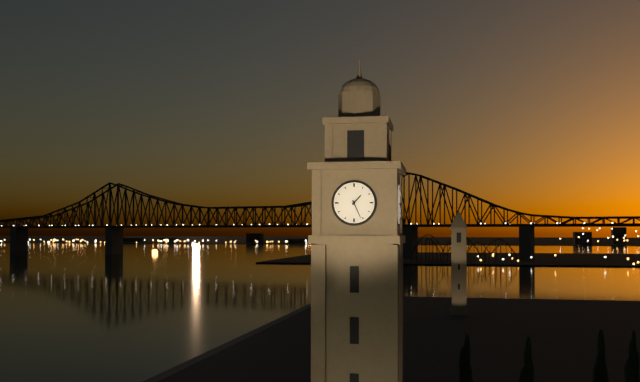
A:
1h26
